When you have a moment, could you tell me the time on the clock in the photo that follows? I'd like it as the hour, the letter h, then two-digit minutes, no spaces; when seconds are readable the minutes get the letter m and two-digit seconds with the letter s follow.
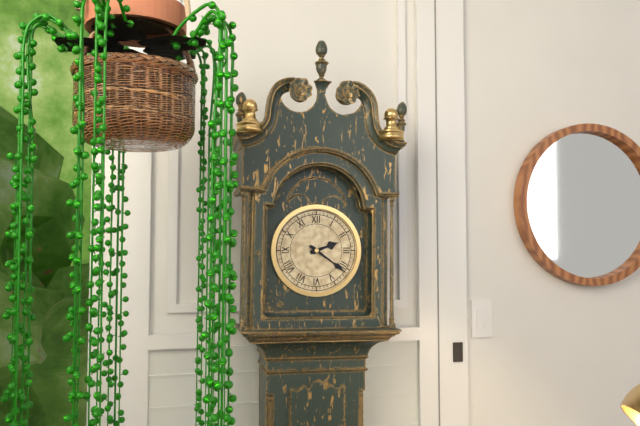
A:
2h21
